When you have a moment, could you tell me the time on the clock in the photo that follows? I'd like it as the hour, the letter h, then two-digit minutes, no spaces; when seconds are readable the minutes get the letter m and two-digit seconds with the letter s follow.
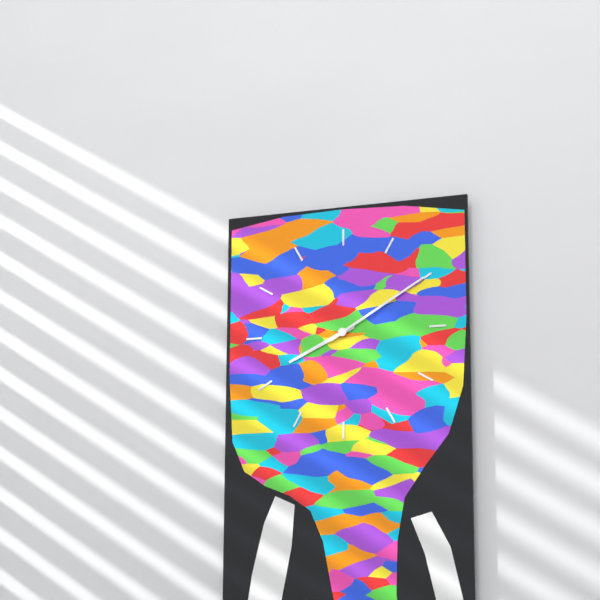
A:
8h10
